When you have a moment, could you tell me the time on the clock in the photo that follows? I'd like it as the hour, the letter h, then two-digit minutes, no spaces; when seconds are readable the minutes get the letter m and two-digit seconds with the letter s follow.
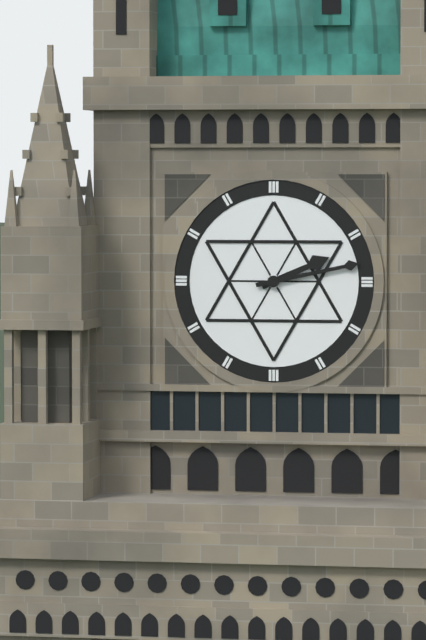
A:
2h13
